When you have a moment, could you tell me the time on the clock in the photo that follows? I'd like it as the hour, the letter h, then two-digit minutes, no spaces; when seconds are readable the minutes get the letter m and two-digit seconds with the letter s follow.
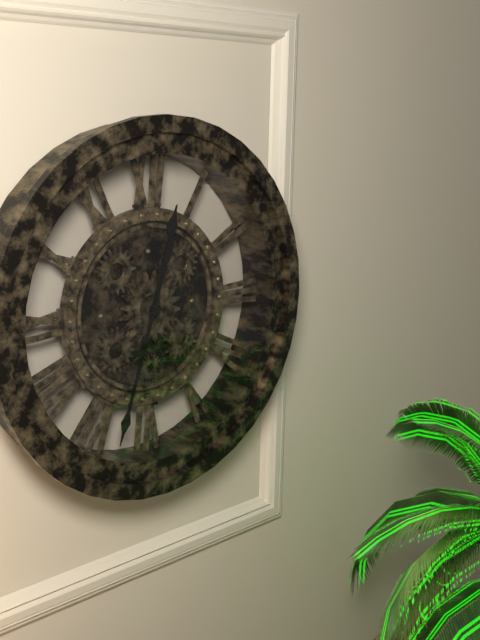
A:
12h33
